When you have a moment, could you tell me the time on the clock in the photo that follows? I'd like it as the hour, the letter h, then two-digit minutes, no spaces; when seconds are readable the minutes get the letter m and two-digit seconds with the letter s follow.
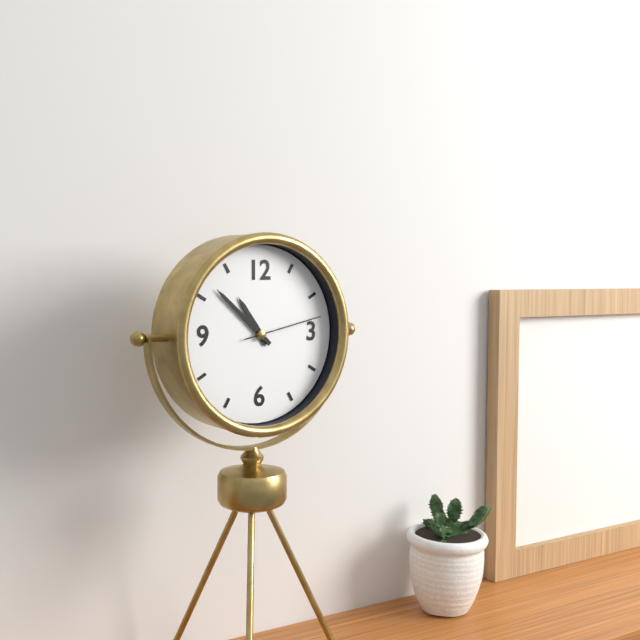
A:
10h52m13s
